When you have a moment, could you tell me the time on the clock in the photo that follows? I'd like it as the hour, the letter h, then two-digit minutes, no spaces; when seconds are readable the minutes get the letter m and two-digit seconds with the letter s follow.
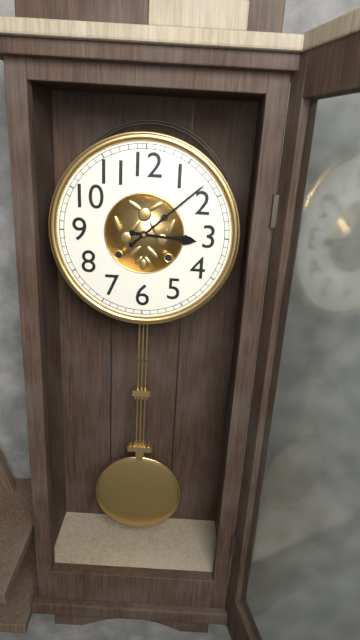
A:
3h08
